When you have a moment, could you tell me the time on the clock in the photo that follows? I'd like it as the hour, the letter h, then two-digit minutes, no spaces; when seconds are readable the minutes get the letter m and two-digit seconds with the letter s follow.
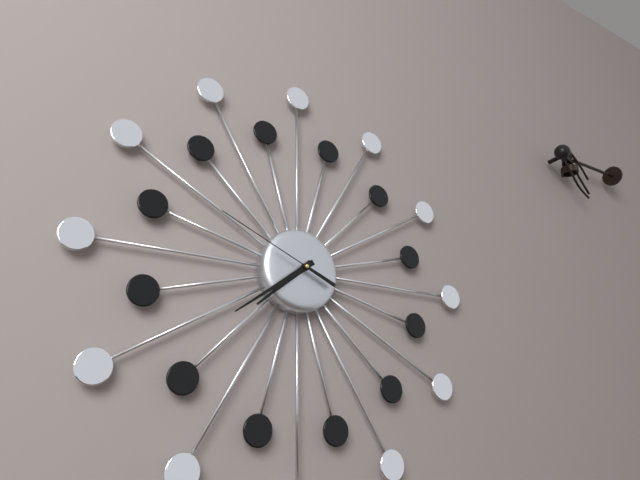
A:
7h39m49s
